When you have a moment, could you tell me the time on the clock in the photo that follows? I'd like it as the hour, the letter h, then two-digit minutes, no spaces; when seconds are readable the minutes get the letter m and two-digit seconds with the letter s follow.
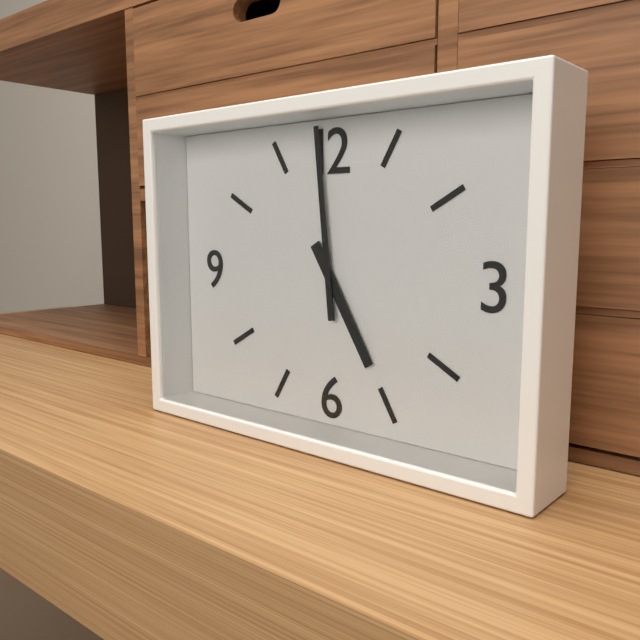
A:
4h59
